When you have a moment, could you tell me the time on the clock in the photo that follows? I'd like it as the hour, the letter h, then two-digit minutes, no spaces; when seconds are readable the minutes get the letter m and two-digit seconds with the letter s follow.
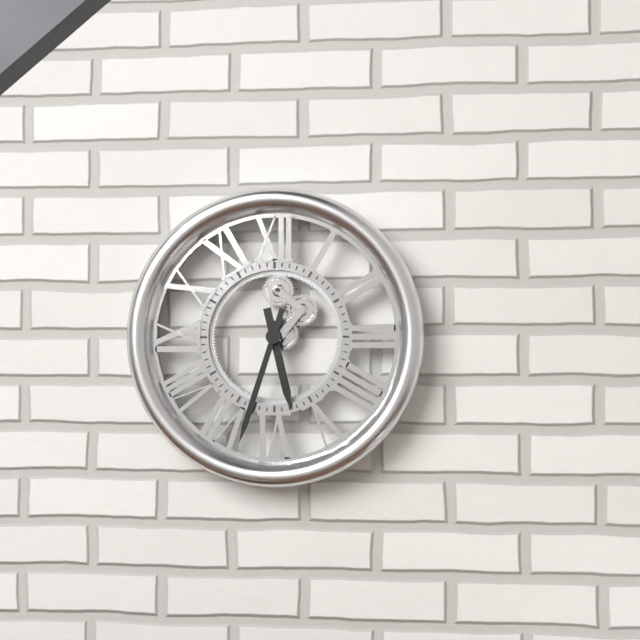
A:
5h33
